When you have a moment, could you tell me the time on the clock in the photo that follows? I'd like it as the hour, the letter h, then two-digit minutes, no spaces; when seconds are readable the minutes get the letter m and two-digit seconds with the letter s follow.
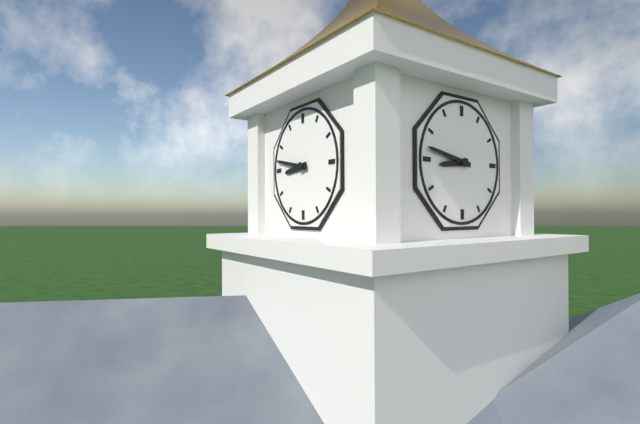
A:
8h47
